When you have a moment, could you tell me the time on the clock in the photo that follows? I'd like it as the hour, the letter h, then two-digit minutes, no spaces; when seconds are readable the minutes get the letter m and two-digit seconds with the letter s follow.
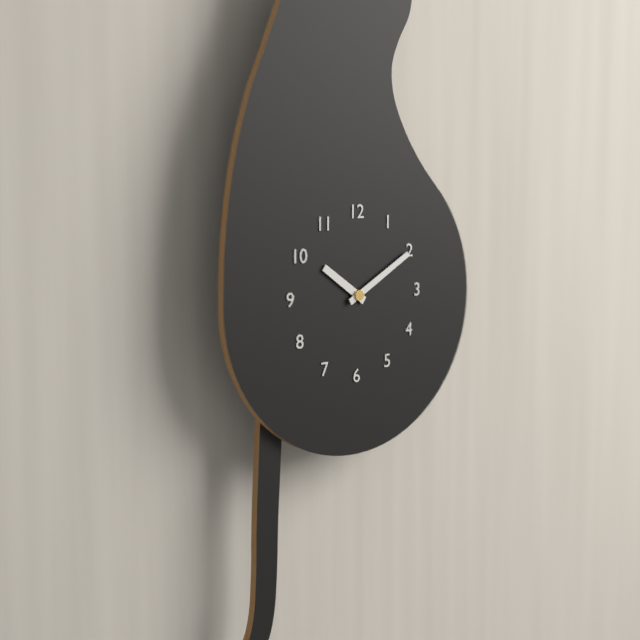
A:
10h10
